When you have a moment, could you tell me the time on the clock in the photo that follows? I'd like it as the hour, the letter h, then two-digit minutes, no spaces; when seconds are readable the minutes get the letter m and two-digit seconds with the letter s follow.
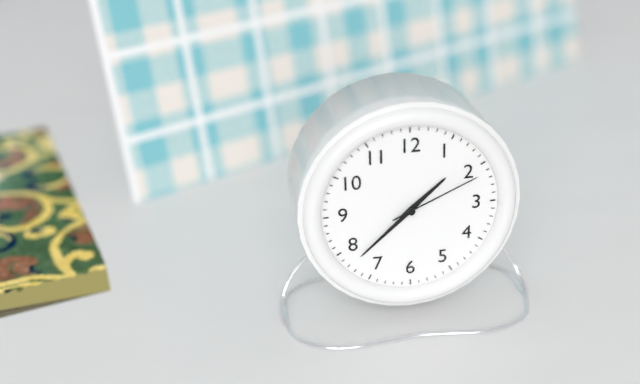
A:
1h38m11s
